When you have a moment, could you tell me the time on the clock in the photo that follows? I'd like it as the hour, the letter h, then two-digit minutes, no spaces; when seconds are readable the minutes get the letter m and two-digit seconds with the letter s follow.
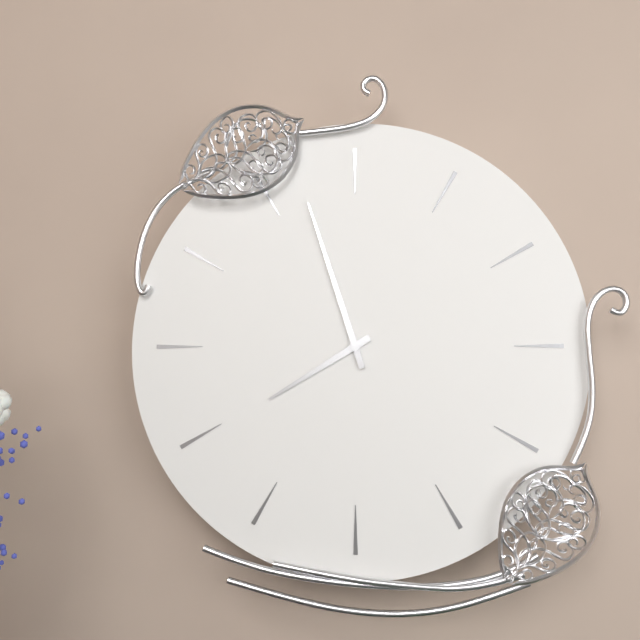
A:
7h57
